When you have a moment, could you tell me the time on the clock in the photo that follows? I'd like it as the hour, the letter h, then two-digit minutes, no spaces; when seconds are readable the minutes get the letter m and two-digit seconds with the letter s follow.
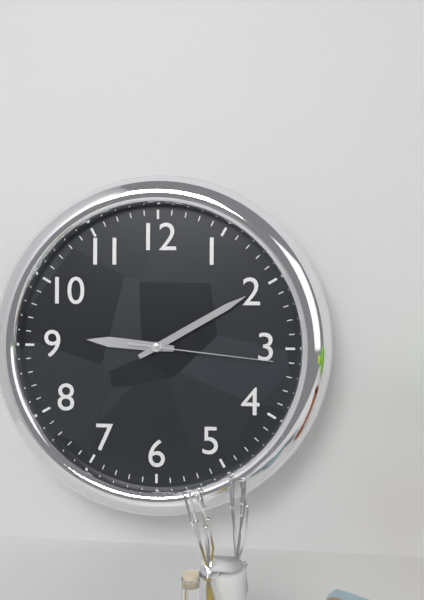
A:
9h10m16s
